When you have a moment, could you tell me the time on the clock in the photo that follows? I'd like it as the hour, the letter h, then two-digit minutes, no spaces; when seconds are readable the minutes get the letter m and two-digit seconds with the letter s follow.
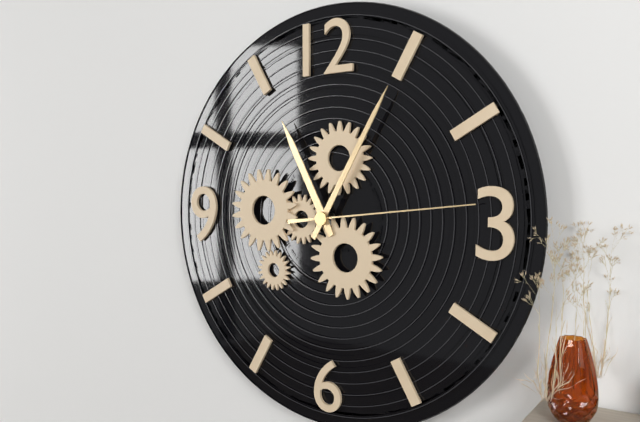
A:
11h05m14s
